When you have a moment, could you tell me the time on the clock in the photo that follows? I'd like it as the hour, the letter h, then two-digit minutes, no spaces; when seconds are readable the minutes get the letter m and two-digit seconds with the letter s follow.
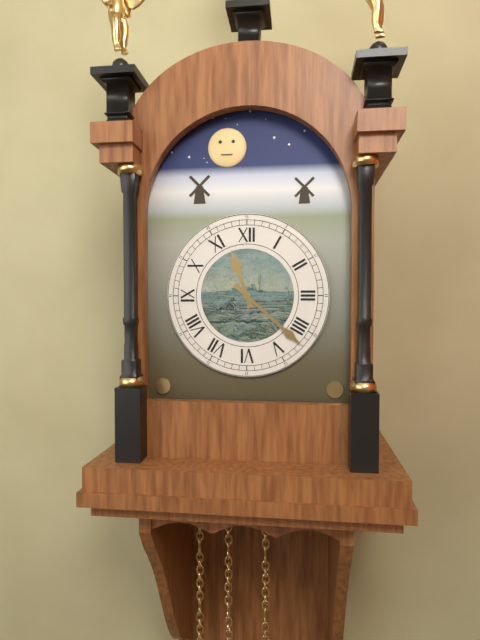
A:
11h22
